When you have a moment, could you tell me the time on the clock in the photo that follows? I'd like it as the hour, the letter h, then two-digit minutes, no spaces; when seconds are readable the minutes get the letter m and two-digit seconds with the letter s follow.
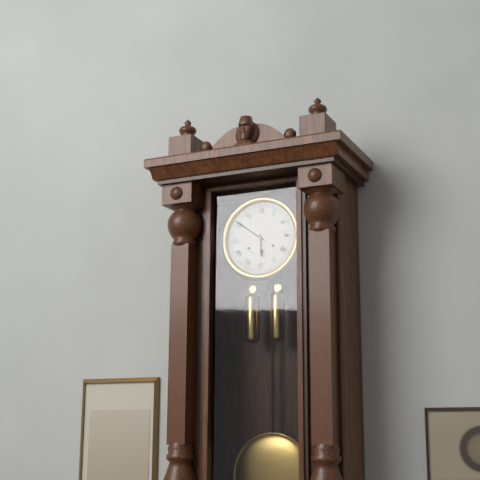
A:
5h51
